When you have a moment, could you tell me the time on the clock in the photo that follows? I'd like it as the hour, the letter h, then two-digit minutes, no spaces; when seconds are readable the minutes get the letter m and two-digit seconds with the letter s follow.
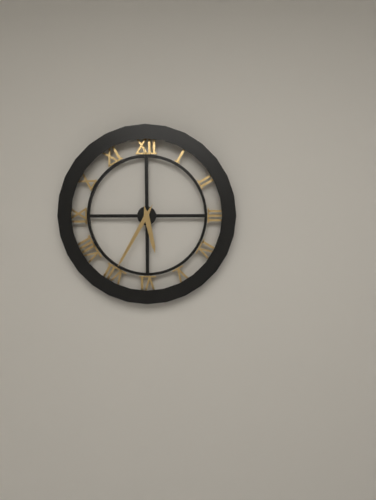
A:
5h35
